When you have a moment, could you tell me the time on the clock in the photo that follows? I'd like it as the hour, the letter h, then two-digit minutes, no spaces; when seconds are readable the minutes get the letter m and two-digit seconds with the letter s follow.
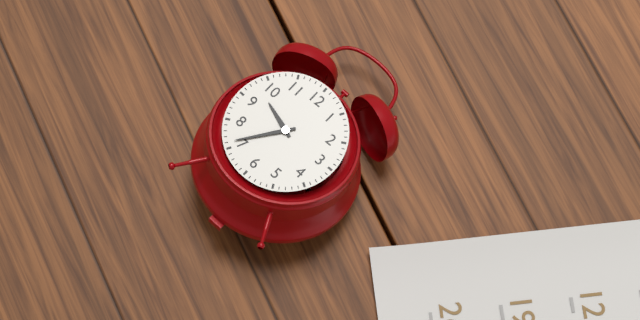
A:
9h36
